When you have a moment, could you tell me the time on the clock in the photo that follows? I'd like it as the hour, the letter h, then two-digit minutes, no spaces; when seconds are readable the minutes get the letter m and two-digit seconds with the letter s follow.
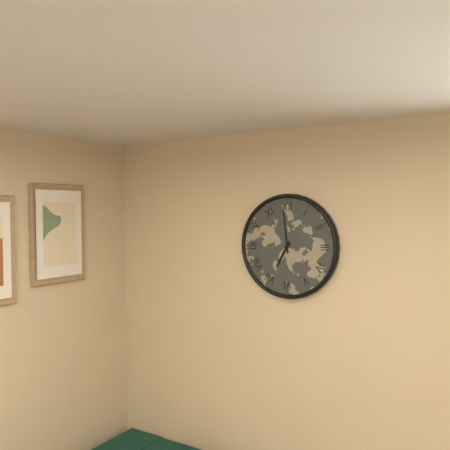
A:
6h59
